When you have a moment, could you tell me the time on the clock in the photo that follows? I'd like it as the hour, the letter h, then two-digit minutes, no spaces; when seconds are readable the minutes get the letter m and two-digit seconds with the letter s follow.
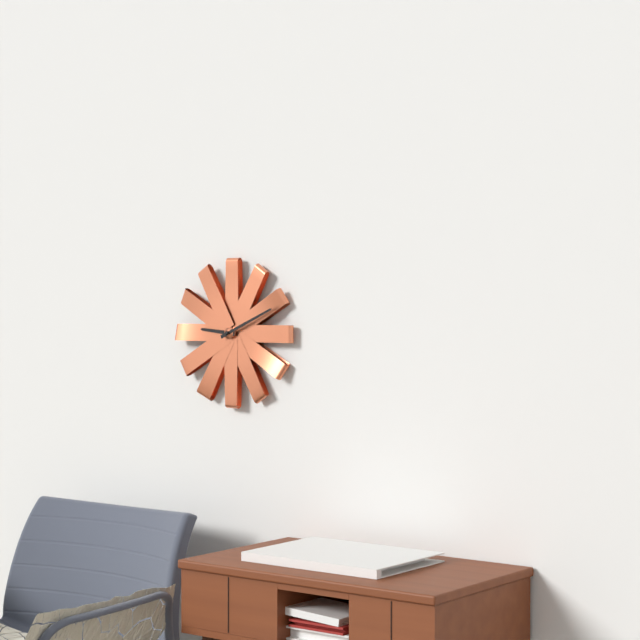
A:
9h11
